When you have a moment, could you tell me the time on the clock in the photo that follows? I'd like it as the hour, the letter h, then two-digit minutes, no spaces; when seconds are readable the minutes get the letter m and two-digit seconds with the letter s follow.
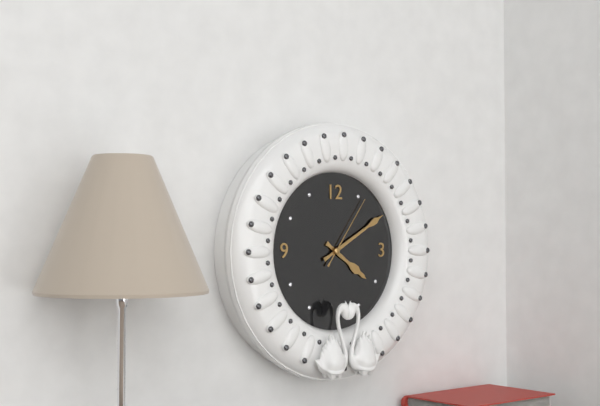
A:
4h10m06s
